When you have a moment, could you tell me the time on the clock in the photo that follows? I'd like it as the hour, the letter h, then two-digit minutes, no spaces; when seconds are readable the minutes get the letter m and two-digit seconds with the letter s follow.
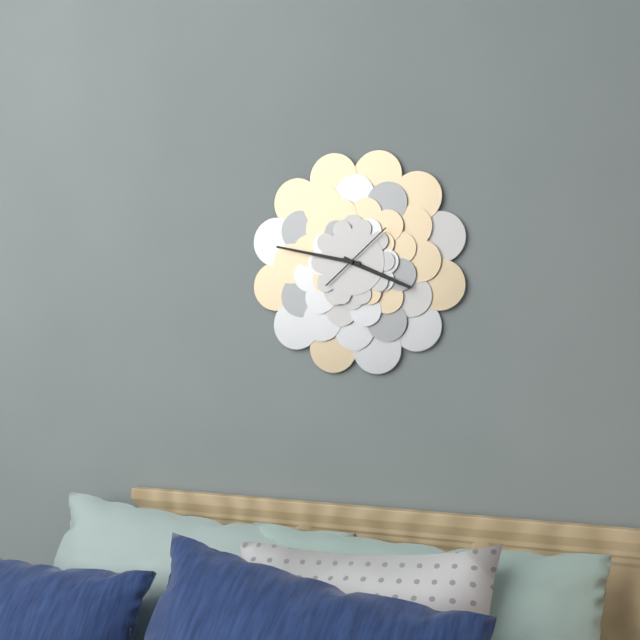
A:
3h47m08s
